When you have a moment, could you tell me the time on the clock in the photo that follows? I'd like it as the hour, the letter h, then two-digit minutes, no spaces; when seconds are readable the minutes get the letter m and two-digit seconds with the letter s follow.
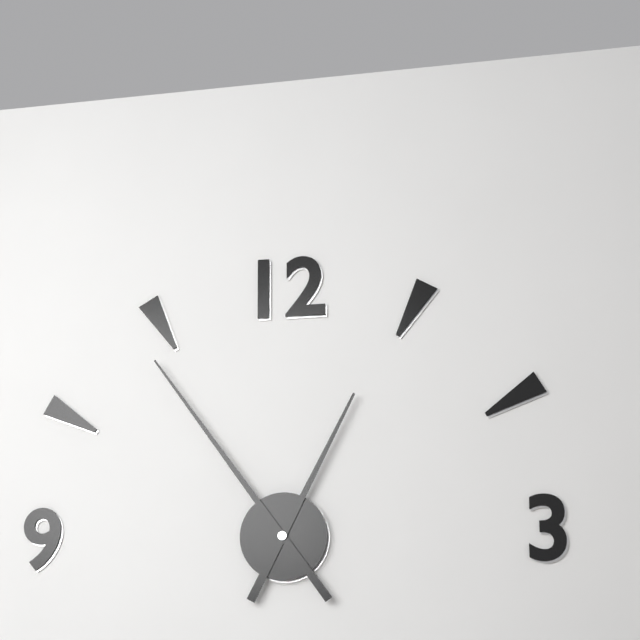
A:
12h54
